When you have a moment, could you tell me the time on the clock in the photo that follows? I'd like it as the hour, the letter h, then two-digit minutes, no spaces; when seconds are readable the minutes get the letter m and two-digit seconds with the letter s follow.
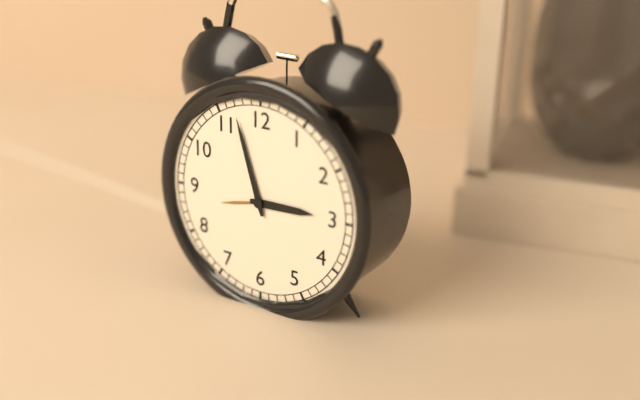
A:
2h57
